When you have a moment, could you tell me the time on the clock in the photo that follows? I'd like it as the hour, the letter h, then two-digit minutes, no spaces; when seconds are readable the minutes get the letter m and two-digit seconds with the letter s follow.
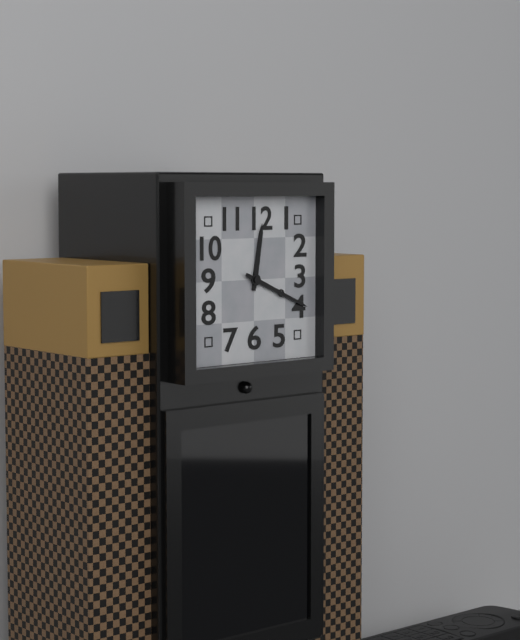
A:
12h19
